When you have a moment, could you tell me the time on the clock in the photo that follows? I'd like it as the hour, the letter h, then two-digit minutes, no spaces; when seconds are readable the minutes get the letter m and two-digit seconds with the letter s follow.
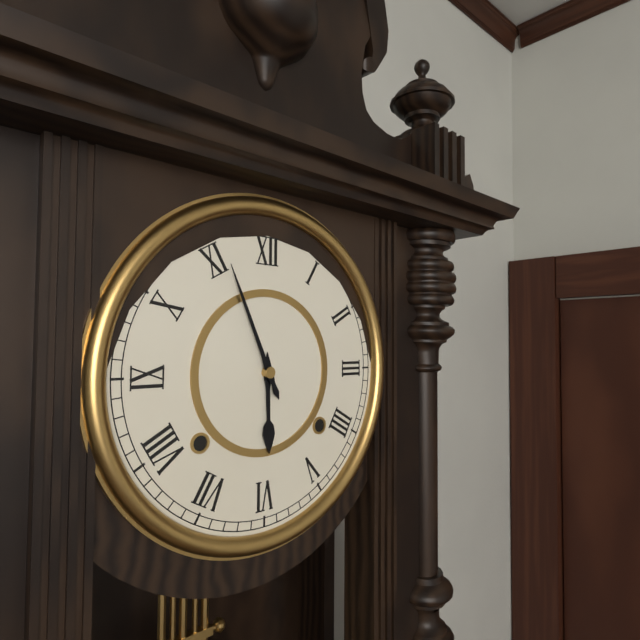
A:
5h56
